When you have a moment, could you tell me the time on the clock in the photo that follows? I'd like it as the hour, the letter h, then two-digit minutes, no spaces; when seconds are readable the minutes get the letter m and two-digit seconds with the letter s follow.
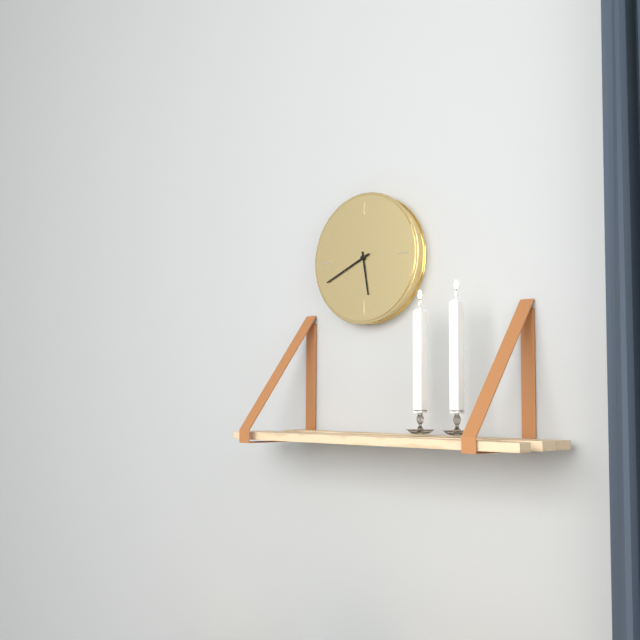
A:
5h41
